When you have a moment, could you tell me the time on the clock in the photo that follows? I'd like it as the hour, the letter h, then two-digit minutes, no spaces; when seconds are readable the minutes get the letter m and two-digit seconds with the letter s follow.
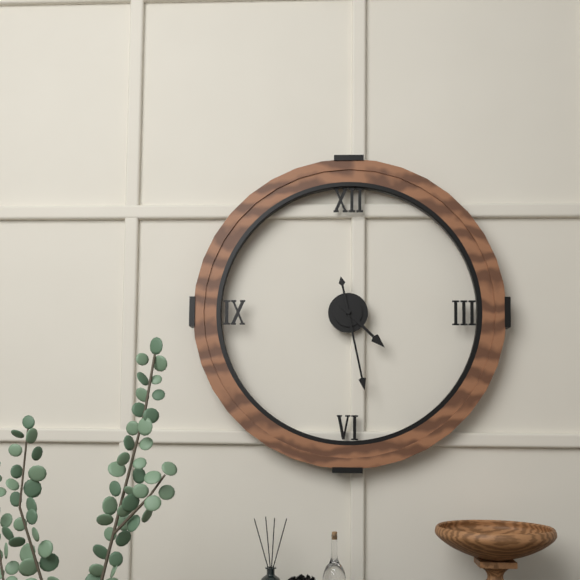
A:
4h28
